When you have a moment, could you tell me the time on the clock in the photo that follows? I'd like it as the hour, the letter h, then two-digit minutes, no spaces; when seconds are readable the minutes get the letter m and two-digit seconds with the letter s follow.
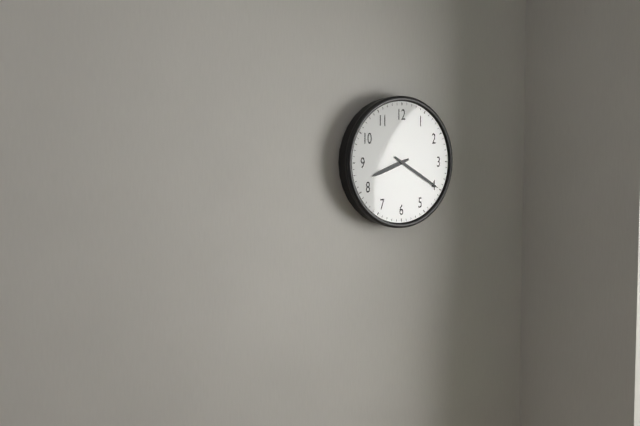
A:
8h20
